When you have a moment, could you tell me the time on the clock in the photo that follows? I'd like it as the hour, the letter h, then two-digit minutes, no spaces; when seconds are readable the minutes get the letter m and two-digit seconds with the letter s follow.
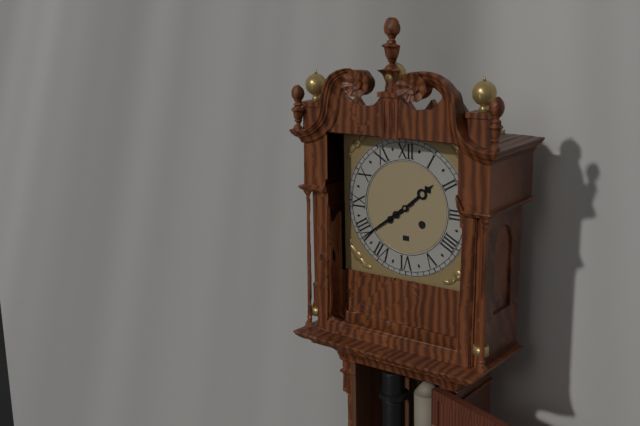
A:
1h39
